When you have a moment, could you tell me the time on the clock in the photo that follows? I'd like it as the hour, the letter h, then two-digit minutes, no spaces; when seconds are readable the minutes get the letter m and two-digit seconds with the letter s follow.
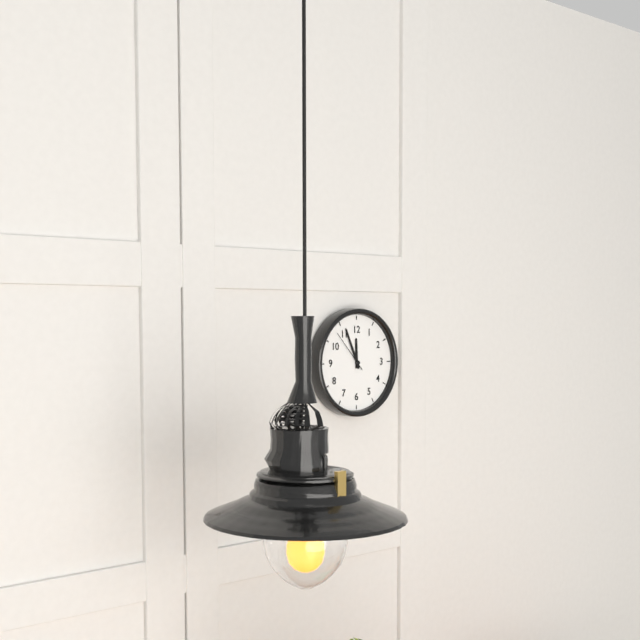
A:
11h56
